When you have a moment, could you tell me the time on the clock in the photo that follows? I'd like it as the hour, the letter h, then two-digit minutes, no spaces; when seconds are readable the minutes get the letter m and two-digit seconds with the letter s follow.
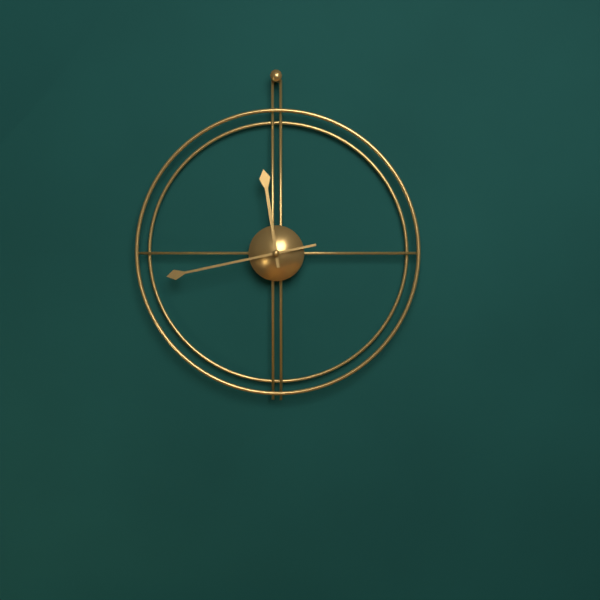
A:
11h43
